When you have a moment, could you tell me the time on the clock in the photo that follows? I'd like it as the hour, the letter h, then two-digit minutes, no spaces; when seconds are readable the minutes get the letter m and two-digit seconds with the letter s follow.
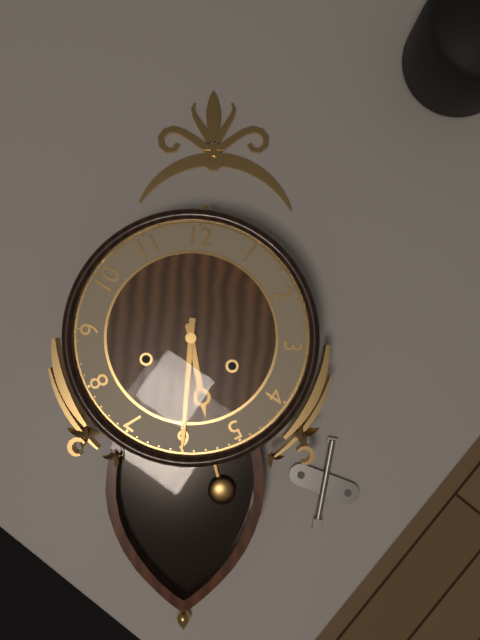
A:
5h30
